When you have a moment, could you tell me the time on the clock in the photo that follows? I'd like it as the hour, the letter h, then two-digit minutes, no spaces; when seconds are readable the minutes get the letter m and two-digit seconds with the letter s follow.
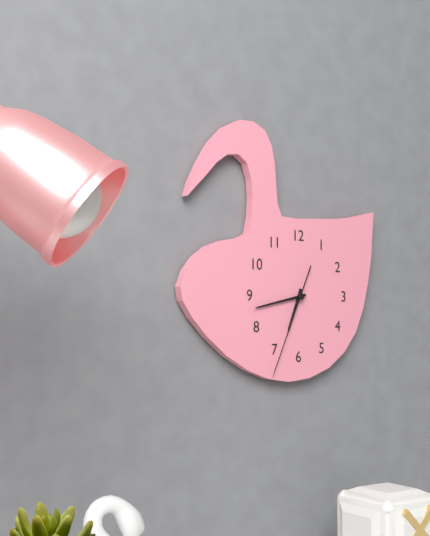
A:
6h43m34s
